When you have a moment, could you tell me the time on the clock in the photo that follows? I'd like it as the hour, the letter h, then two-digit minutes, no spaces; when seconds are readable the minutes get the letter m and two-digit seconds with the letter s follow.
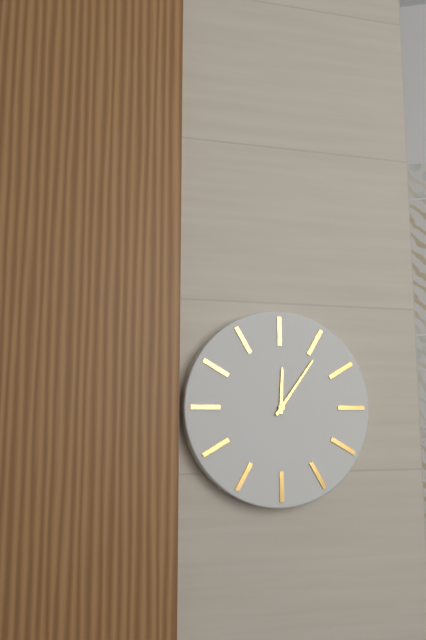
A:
12h06
